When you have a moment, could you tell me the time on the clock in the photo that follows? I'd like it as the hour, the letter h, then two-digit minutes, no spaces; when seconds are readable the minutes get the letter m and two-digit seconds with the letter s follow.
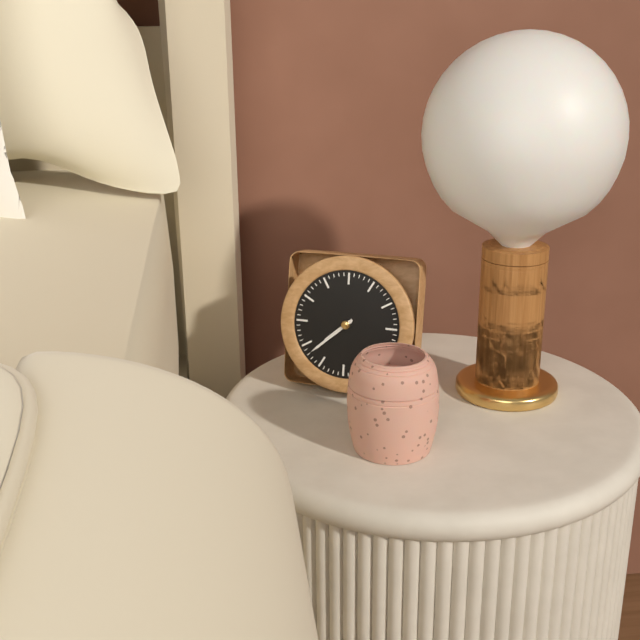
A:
7h38
